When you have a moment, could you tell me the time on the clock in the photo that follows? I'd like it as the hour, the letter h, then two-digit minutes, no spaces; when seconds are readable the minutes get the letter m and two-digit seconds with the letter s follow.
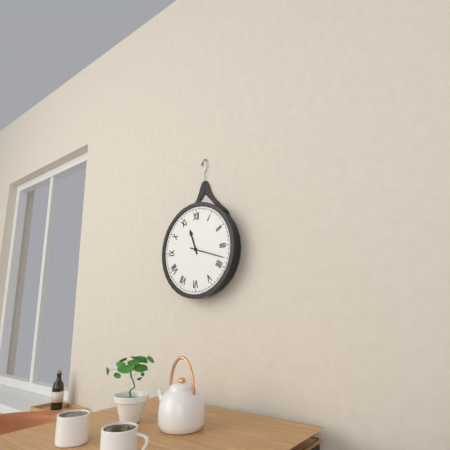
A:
11h18
